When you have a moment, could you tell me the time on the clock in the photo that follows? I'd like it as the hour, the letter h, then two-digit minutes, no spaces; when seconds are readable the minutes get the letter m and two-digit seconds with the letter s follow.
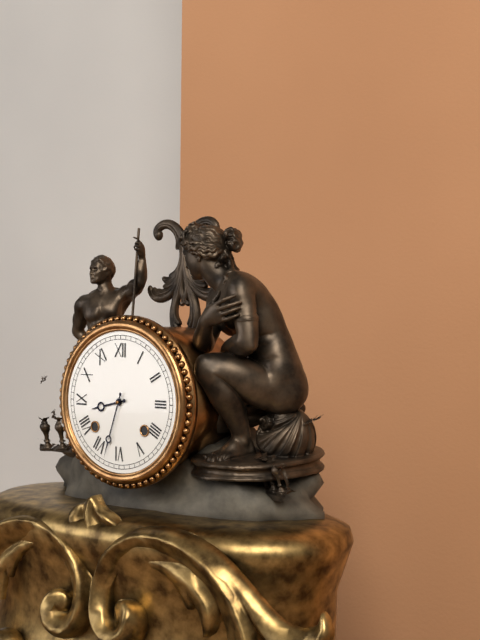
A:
8h33
